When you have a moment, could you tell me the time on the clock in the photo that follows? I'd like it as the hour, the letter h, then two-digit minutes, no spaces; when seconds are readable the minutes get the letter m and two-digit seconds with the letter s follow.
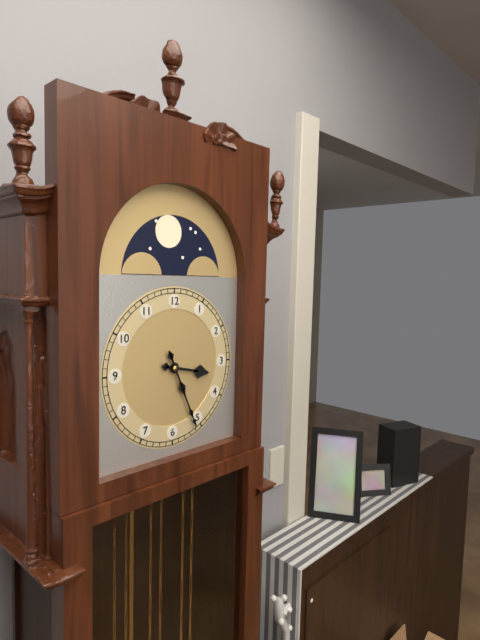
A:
3h26
